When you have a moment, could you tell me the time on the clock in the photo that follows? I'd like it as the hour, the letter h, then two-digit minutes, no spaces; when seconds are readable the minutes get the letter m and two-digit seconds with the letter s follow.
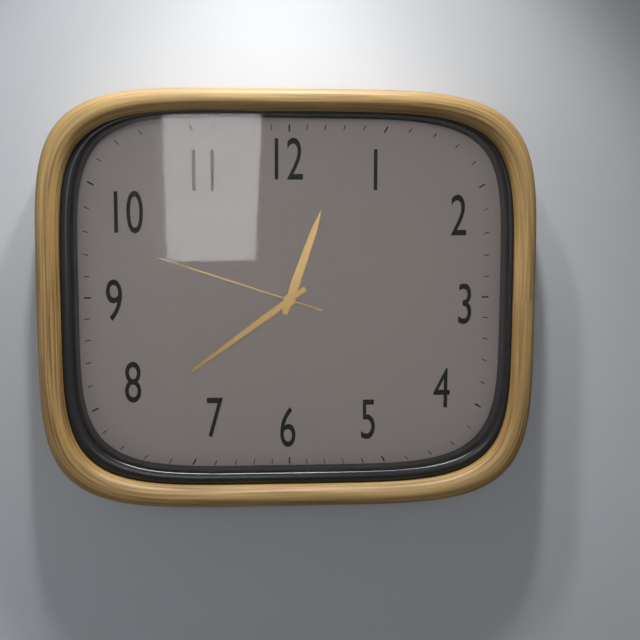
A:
12h39m48s
